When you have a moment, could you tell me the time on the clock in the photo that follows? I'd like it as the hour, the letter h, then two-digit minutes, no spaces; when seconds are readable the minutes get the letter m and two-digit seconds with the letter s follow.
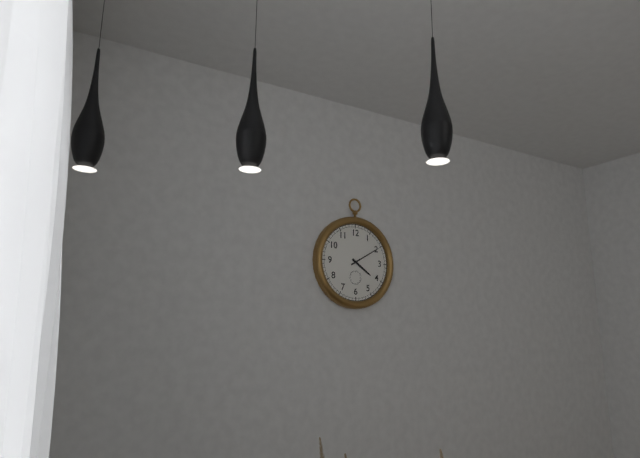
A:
4h10
